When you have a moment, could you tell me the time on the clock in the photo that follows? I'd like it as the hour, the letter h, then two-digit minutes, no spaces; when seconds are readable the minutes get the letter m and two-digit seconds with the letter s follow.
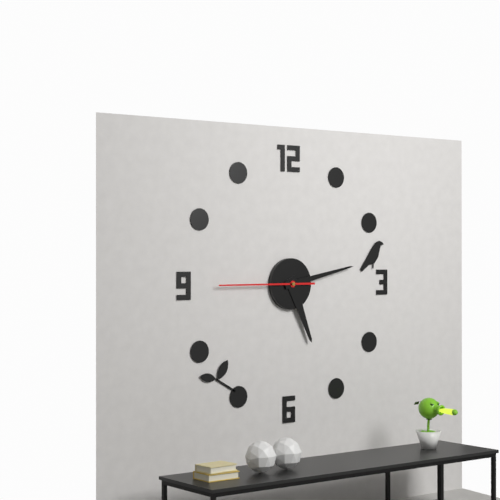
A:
5h13m45s
